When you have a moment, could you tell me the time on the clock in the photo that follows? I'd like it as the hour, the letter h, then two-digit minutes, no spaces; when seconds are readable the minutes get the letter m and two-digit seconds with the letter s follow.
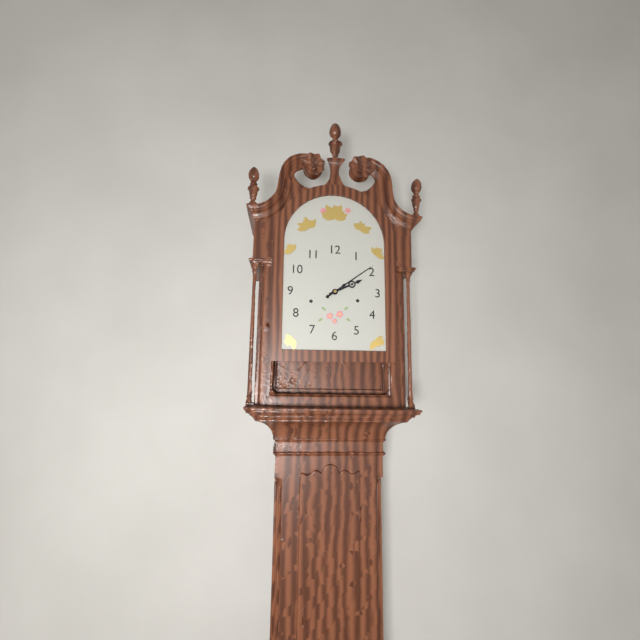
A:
2h09
